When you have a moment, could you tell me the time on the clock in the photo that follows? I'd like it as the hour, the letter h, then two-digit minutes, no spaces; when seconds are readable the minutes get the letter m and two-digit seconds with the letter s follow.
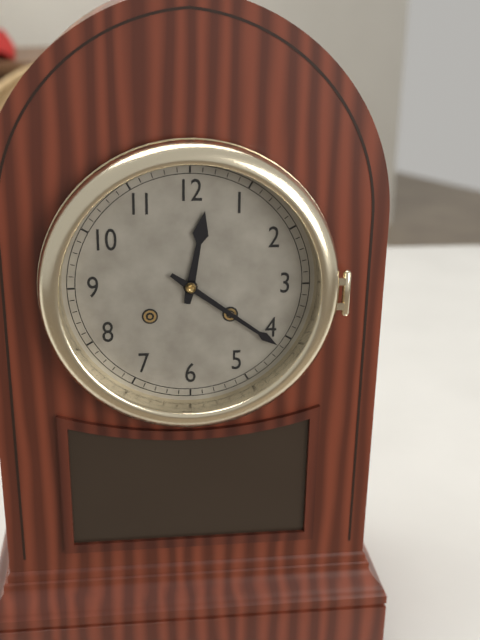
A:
12h21
